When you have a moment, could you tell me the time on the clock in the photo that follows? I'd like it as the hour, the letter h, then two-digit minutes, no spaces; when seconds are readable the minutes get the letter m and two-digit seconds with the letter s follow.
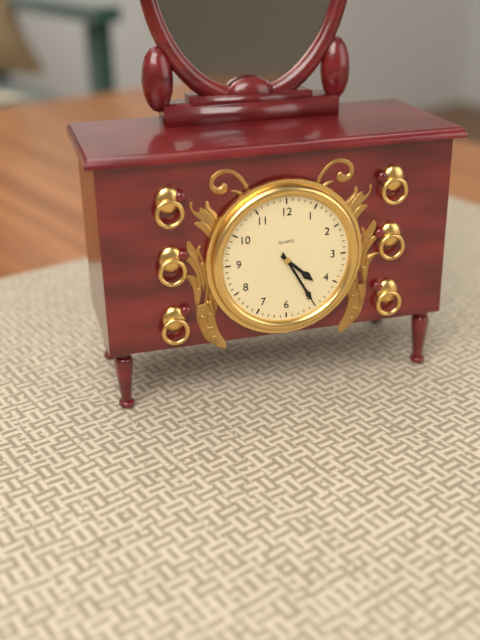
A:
4h25
